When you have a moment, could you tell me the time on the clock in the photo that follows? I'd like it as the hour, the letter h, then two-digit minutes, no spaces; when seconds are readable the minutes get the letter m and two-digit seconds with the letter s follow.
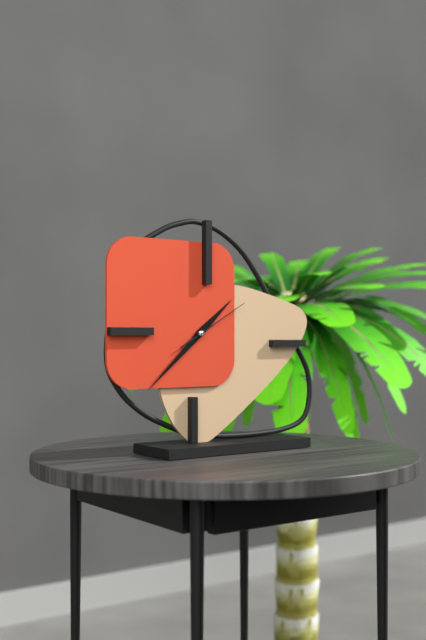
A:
1h38m10s
